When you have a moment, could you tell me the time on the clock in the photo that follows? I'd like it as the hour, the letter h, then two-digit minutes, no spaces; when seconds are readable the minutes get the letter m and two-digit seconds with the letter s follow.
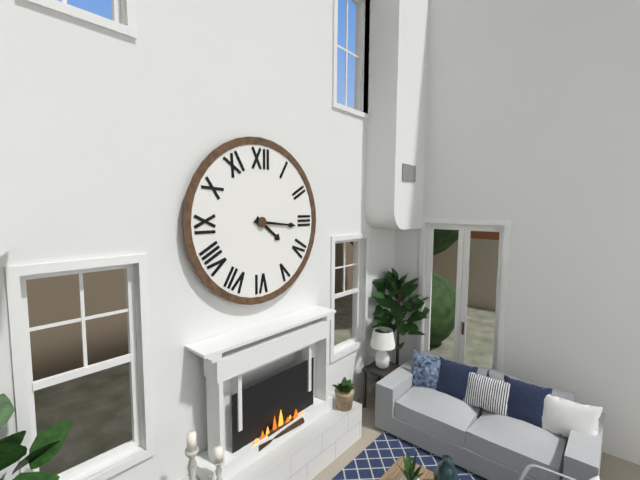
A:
4h16
